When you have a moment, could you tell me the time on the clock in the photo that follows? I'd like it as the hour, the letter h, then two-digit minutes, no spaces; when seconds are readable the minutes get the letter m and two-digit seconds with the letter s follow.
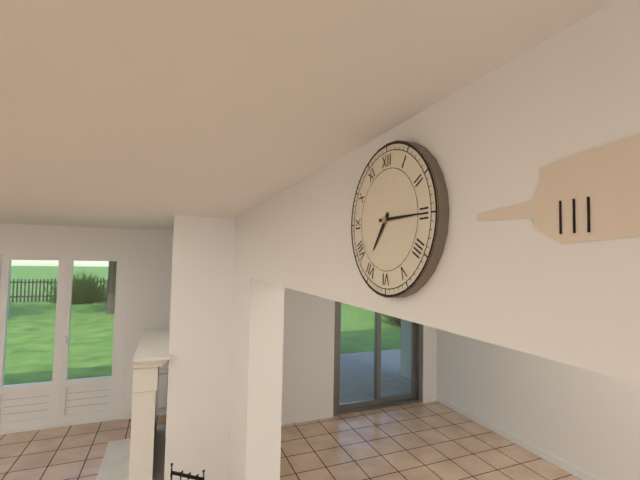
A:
7h15
